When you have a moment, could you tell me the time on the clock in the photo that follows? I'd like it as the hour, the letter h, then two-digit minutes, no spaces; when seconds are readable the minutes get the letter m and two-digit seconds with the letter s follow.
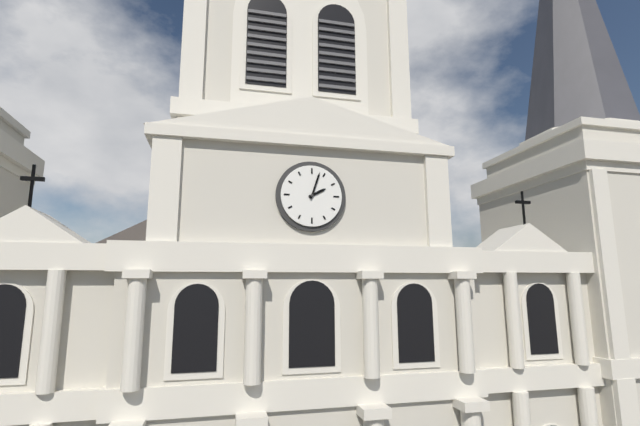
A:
2h03
